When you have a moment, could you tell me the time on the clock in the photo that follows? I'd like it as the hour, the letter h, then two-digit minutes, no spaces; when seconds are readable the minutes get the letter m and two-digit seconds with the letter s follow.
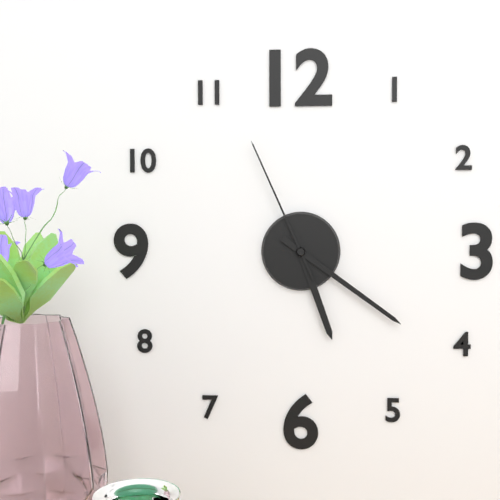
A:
5h21m56s
